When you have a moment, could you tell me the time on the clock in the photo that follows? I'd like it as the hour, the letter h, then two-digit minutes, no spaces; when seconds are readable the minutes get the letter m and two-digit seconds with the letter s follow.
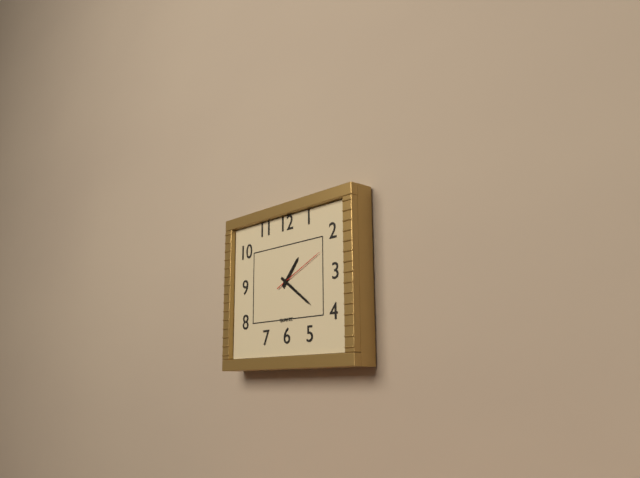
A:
1h21m11s
